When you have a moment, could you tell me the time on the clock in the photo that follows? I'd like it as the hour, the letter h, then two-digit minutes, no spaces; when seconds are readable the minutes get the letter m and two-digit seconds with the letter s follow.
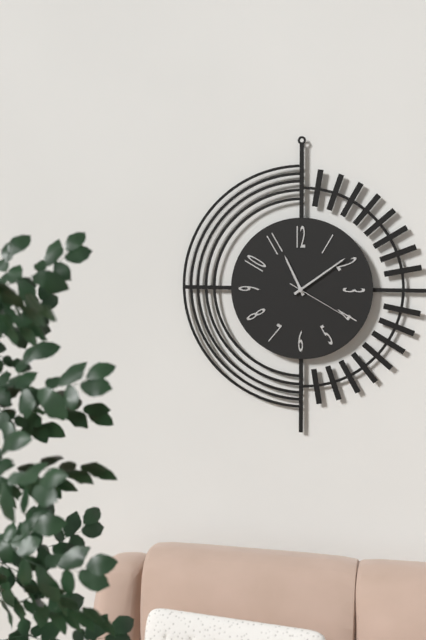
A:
11h09m20s
